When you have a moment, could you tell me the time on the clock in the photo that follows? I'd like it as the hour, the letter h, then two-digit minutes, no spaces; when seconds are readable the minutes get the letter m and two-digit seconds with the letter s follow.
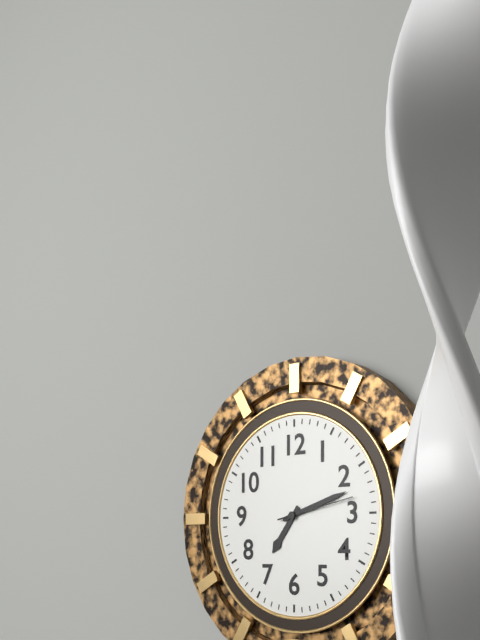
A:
7h12m13s
